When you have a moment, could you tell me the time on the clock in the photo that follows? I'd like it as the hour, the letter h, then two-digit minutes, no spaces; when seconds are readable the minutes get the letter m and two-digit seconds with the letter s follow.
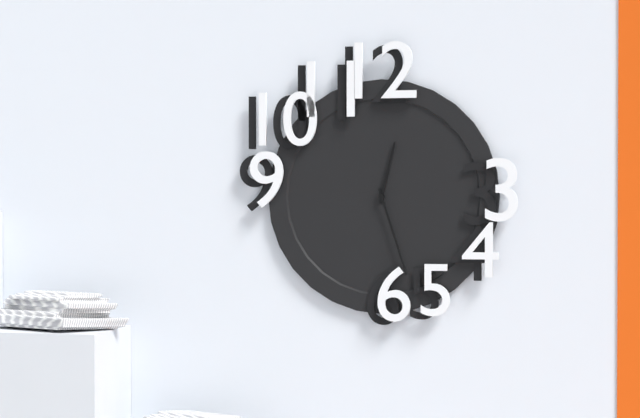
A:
12h27
